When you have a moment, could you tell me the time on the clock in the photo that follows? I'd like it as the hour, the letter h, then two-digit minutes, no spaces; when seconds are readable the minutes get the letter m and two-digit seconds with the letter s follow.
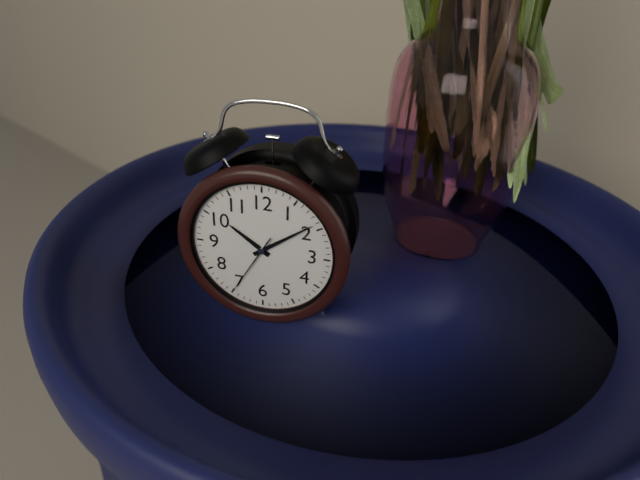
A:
10h09m35s
